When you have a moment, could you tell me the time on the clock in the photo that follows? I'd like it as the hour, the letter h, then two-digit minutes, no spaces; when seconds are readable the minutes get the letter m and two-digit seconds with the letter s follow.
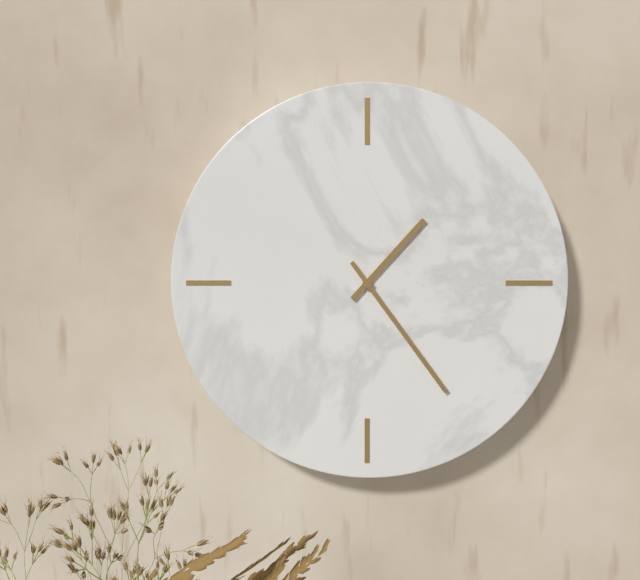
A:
1h24
